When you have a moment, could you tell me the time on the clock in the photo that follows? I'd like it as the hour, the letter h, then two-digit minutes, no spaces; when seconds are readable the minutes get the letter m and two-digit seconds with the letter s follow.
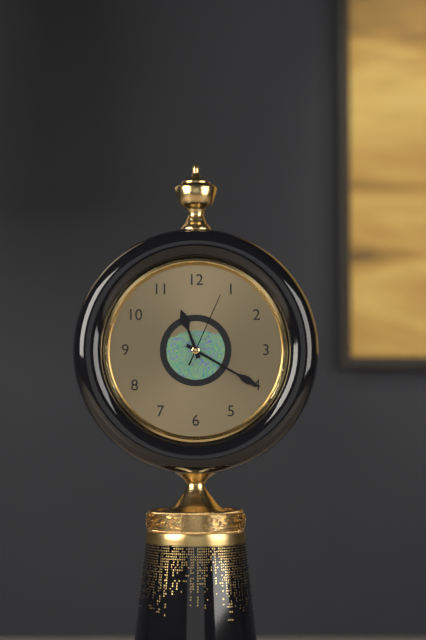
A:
11h20m04s
